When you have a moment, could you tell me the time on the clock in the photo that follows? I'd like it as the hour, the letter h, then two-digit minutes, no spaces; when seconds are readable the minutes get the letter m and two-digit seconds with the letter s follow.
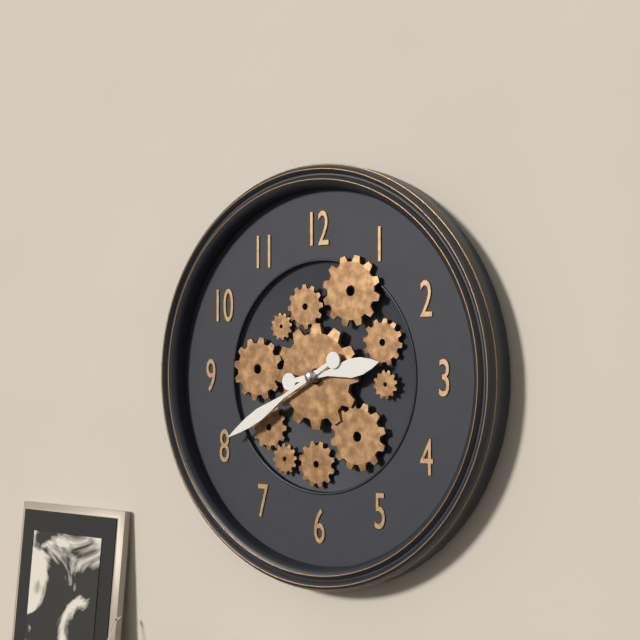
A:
2h40
